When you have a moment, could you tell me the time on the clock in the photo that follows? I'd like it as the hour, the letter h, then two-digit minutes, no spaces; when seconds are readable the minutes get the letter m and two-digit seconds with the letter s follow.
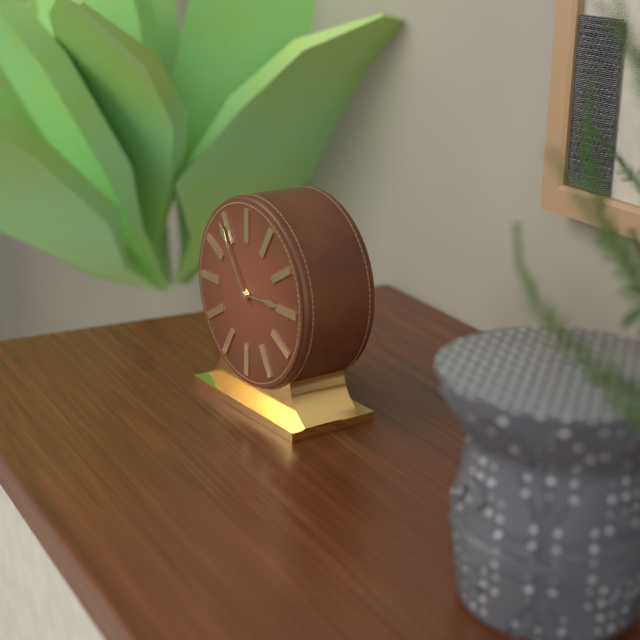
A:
2h54
